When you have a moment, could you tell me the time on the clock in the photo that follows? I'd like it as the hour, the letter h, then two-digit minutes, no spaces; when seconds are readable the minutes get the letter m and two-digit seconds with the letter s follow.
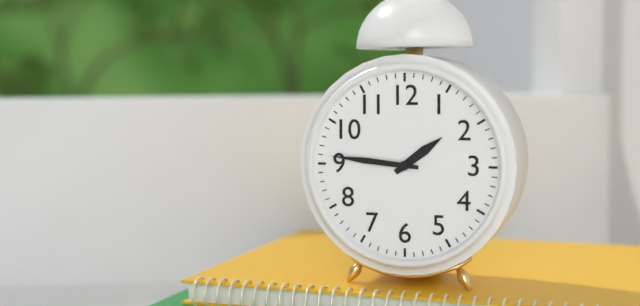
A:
1h46
